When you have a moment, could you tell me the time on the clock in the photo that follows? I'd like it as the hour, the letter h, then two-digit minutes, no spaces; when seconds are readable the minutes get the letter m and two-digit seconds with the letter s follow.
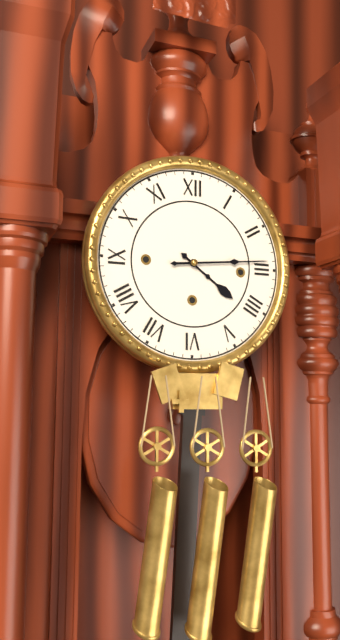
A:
4h14
